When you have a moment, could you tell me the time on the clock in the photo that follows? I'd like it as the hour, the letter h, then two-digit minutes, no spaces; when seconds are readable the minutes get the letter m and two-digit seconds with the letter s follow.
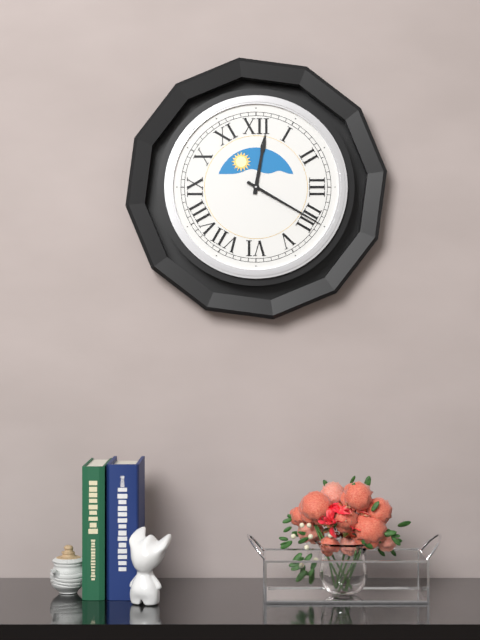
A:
12h20
